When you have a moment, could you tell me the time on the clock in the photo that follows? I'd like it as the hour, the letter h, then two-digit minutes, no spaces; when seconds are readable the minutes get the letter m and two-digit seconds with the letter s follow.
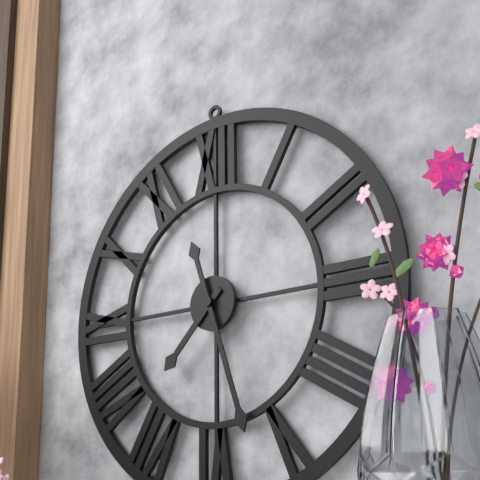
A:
7h27
